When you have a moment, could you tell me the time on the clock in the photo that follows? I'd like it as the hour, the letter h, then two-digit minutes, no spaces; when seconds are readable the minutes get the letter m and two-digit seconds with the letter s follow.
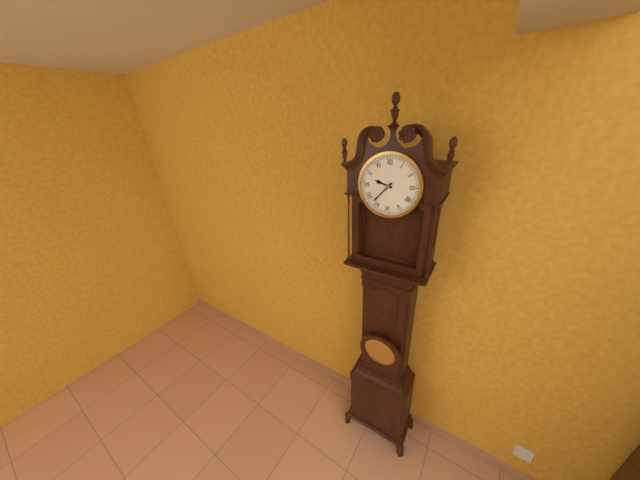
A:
9h37
